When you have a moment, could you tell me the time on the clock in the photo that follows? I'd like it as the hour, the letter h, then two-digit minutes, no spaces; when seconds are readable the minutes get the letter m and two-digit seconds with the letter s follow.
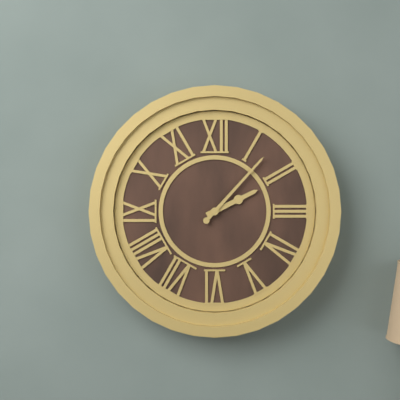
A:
2h07
